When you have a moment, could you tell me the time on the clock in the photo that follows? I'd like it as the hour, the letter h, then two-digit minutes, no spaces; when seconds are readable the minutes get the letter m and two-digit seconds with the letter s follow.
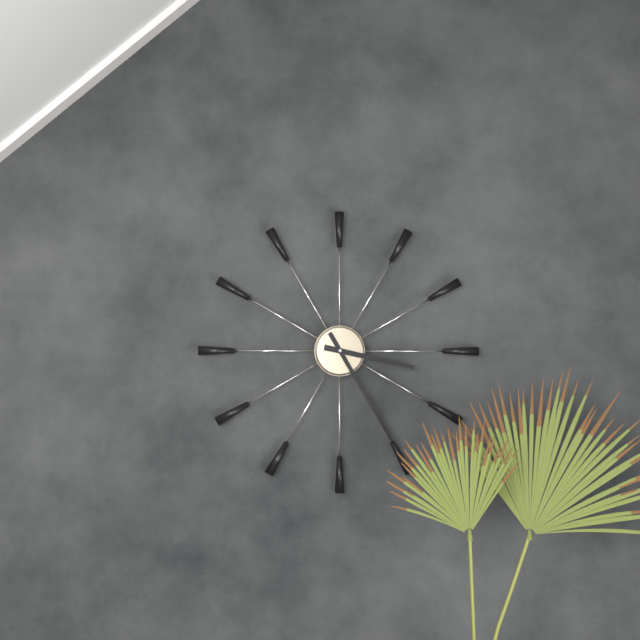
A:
3h25
